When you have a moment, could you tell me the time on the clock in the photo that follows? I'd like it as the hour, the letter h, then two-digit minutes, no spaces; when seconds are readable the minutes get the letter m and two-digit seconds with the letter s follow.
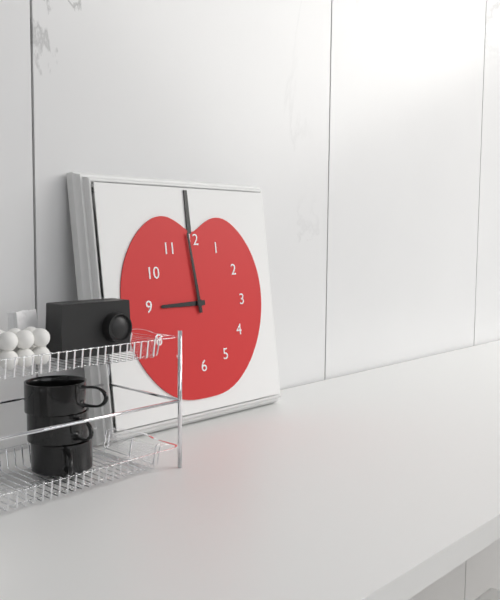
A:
8h59
